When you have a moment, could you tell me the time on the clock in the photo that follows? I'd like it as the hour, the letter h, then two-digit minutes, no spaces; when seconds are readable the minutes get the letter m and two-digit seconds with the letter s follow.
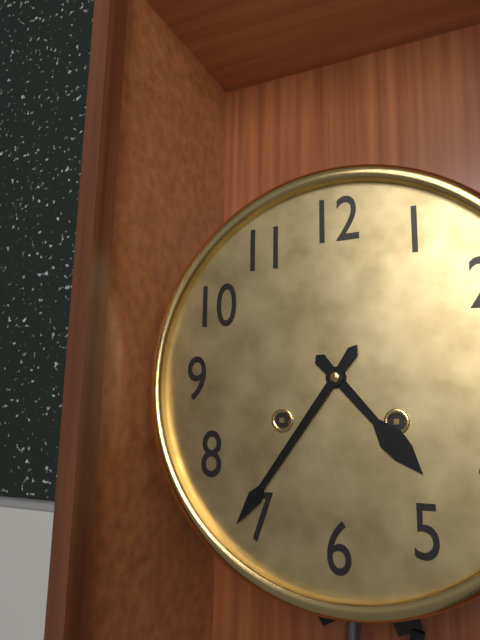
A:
4h36
